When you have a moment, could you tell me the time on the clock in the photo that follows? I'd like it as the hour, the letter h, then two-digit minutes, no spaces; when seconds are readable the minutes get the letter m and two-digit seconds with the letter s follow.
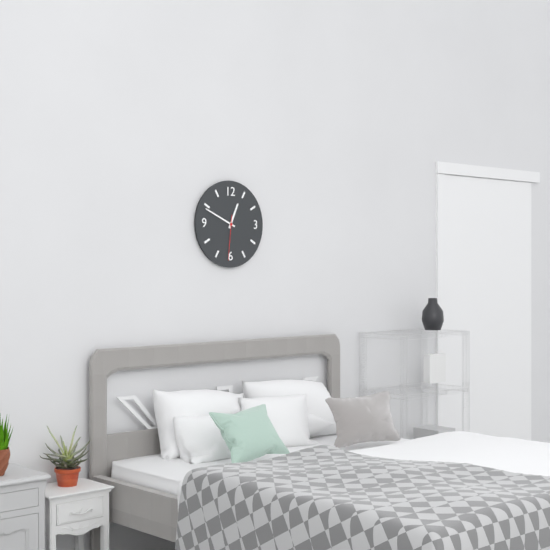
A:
12h49
